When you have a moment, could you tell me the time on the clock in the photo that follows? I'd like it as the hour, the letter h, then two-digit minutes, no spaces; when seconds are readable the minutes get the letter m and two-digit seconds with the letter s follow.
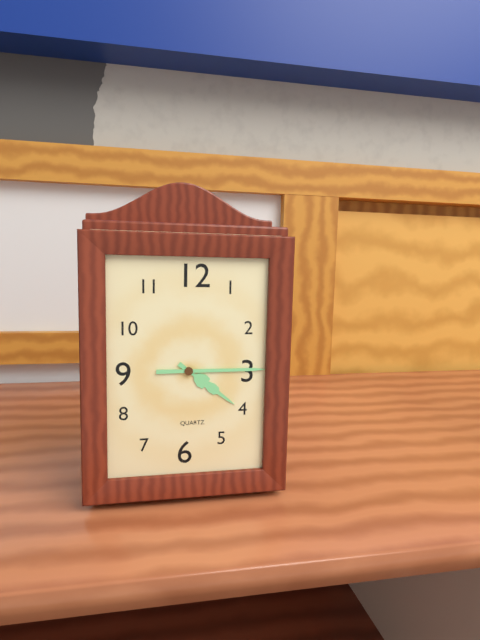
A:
4h15
